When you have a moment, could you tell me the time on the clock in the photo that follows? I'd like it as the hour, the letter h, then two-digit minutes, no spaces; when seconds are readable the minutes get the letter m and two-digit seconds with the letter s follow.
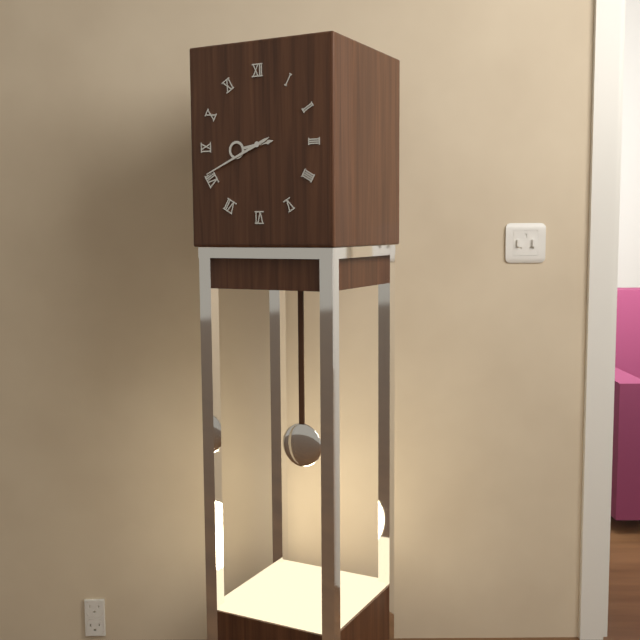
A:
8h41
